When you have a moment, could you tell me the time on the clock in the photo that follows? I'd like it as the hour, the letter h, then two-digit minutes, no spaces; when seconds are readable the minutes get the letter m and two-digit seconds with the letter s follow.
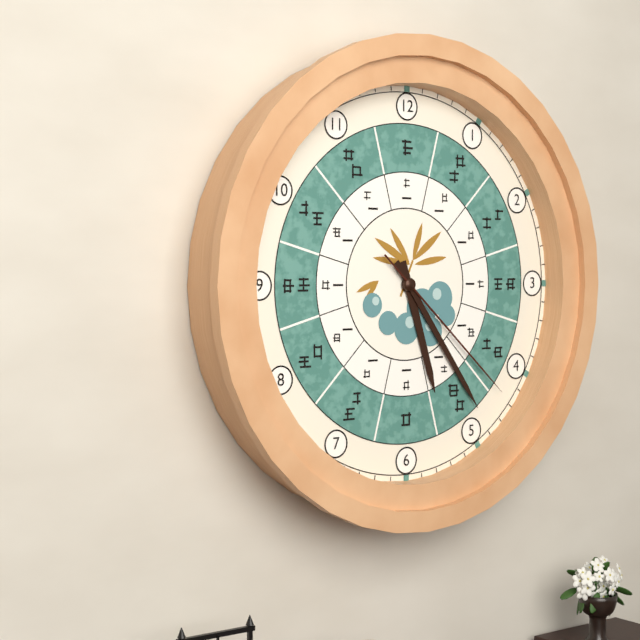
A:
5h24m22s
